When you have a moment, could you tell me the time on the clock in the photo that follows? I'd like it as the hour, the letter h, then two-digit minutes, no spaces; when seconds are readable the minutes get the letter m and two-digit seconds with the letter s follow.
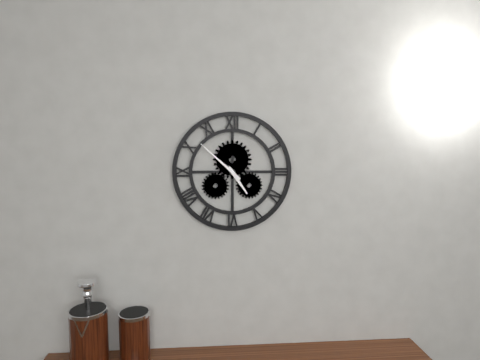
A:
4h52
